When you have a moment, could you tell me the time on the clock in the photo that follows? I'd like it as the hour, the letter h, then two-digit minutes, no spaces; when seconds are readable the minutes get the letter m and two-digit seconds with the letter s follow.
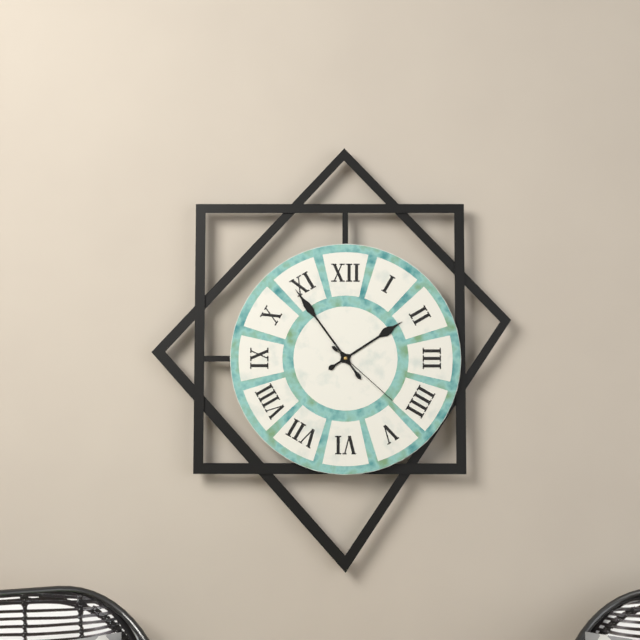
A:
1h54m22s
